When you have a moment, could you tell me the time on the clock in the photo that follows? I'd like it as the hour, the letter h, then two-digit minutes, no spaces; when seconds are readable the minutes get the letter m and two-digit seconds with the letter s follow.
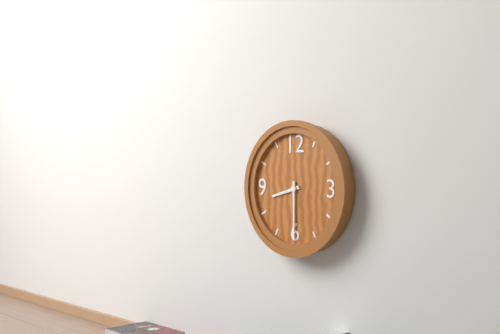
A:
8h30
